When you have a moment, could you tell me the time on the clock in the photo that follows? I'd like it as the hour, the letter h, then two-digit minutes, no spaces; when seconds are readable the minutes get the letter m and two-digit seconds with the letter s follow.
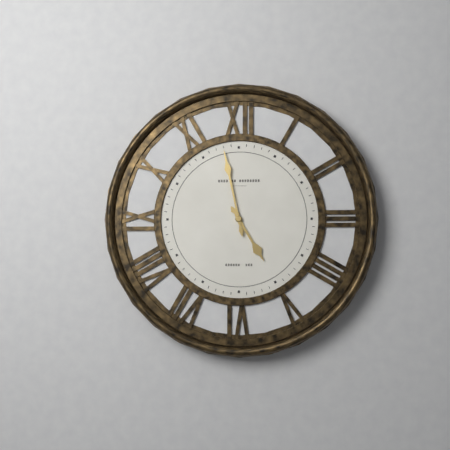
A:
4h58
